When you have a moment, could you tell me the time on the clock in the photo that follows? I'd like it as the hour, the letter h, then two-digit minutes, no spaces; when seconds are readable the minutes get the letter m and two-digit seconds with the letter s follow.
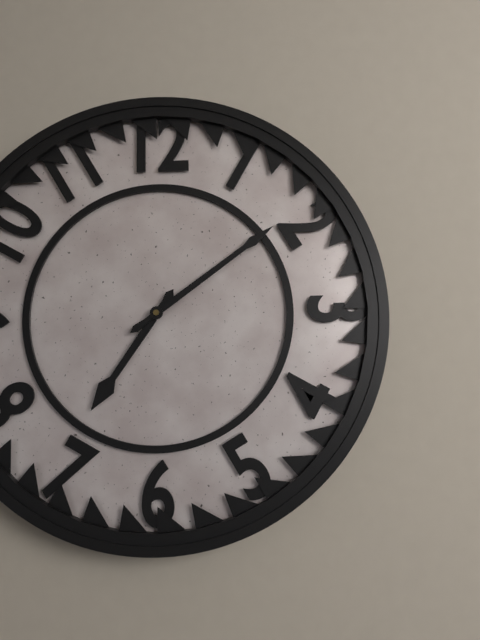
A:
7h09
